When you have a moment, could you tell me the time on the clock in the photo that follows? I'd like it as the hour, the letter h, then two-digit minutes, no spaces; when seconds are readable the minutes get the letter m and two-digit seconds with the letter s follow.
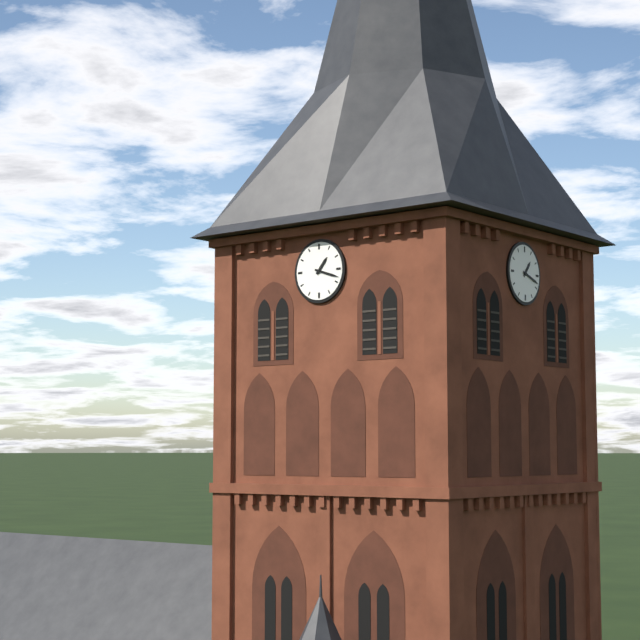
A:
1h18
